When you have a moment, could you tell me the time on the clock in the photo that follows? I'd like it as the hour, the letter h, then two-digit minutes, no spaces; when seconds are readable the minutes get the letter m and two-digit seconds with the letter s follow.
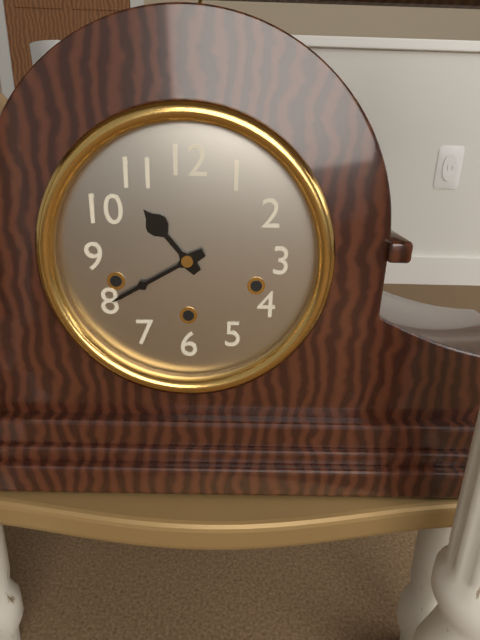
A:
10h40
